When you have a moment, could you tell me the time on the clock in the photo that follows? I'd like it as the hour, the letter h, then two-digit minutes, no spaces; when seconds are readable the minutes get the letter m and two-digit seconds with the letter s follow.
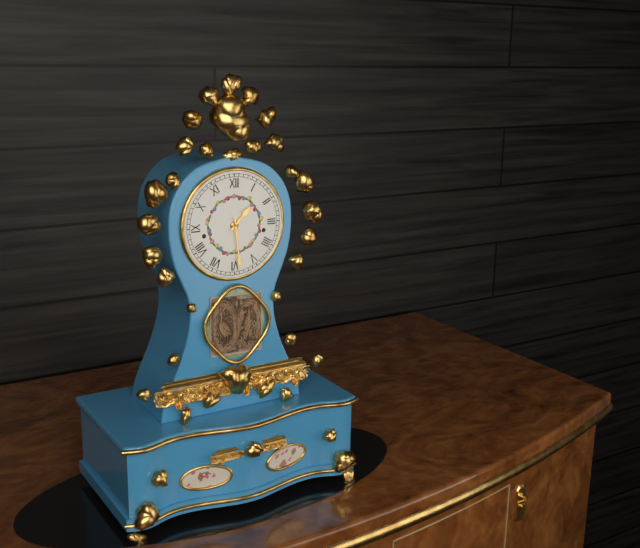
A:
1h29
